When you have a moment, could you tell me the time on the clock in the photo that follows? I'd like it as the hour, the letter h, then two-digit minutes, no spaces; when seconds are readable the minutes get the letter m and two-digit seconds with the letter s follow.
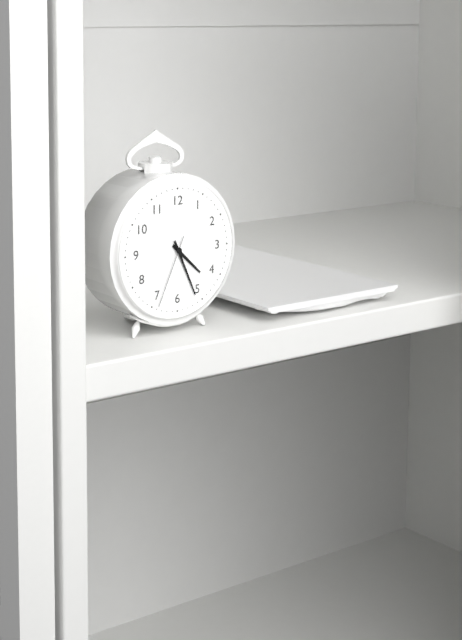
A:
4h26m34s
